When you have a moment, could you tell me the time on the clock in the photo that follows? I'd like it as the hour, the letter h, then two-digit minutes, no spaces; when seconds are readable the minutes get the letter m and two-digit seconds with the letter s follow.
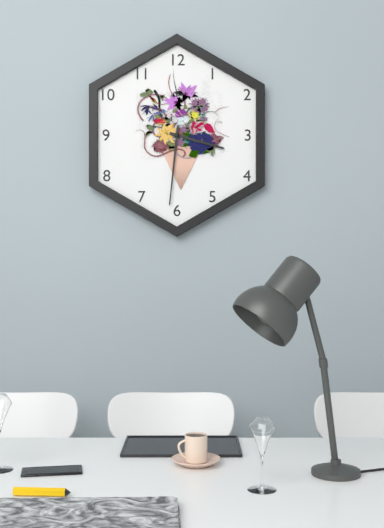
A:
3h31
